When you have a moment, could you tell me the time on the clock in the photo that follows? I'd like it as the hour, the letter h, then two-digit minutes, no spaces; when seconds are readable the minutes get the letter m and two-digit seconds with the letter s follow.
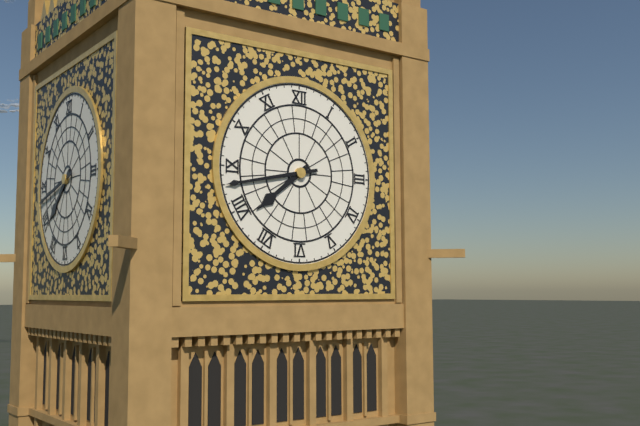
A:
7h43
